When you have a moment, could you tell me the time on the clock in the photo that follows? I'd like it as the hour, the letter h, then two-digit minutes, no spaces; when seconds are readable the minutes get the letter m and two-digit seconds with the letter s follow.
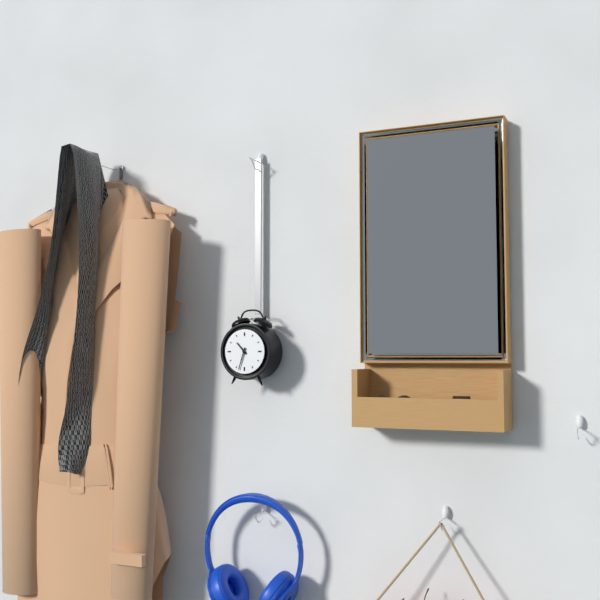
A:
10h33
